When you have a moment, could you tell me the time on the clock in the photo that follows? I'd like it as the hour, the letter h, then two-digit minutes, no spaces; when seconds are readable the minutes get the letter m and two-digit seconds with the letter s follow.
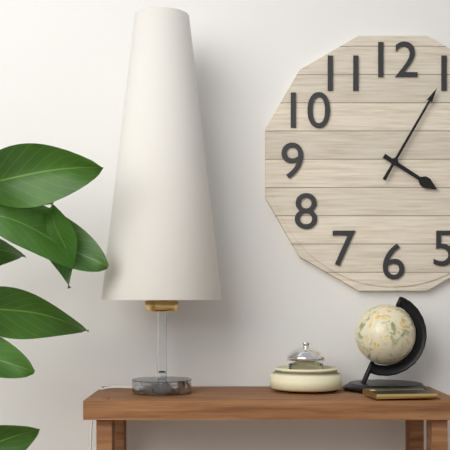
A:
4h05
